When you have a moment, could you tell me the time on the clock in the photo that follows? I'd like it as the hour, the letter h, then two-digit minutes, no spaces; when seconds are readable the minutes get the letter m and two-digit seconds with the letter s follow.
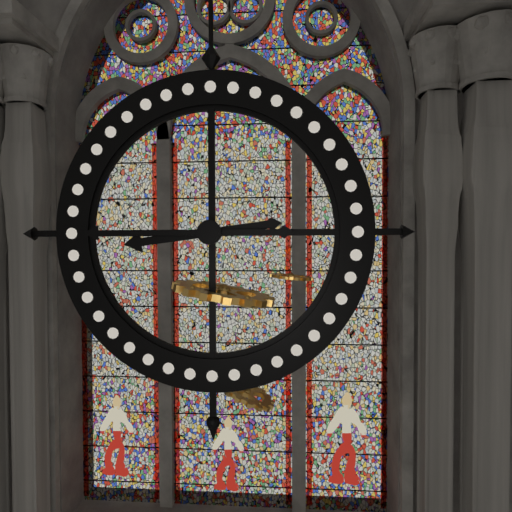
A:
8h45
